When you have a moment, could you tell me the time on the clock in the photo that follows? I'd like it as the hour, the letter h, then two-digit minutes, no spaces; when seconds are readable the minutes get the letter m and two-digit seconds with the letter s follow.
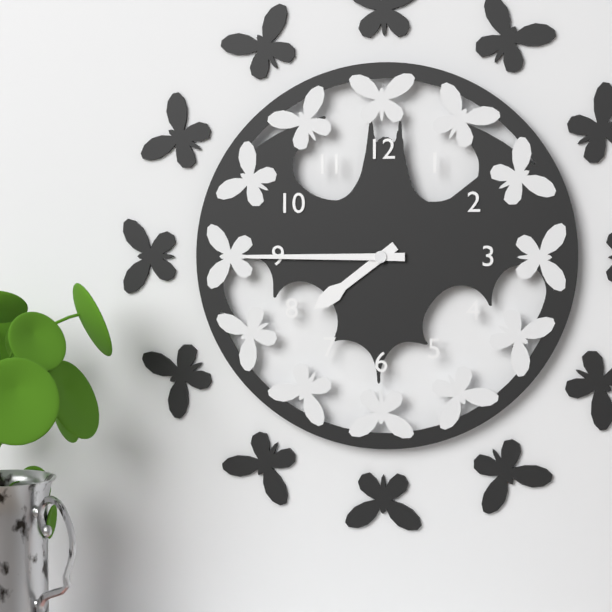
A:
7h45
